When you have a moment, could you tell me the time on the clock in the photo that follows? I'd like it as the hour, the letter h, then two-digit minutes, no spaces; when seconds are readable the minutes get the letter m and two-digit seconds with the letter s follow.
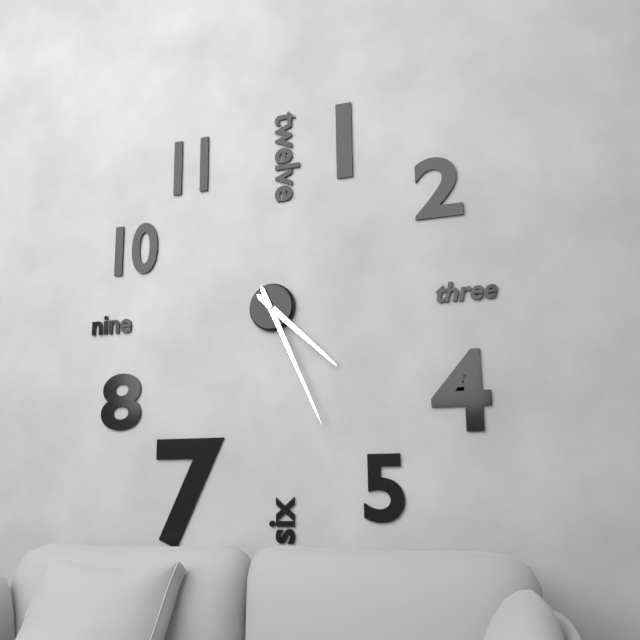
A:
4h26
